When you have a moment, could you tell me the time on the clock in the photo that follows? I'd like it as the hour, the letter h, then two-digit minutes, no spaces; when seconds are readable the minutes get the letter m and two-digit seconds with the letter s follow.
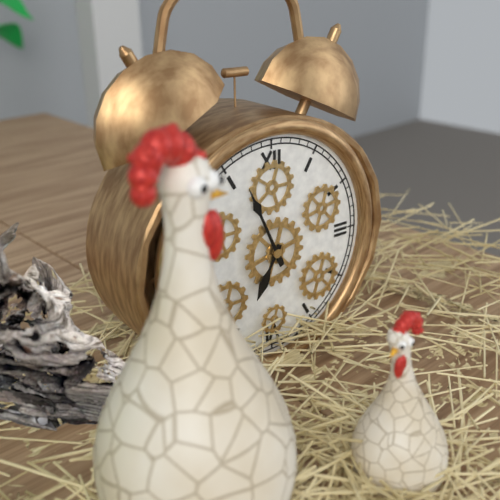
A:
6h56
